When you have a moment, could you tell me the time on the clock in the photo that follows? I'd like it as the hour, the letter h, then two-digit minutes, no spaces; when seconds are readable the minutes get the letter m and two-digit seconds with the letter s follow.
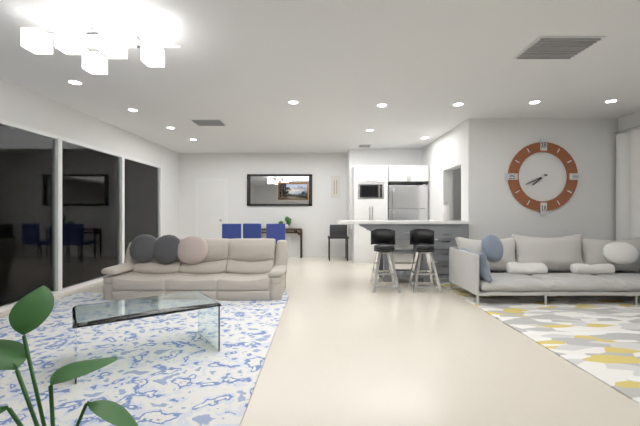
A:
7h41
